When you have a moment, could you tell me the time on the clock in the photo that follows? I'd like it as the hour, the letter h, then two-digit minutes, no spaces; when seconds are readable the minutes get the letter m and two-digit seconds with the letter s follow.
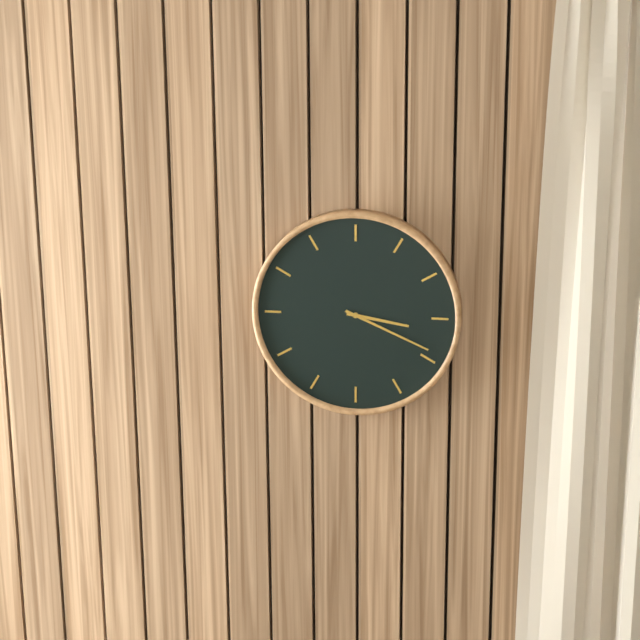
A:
3h19
